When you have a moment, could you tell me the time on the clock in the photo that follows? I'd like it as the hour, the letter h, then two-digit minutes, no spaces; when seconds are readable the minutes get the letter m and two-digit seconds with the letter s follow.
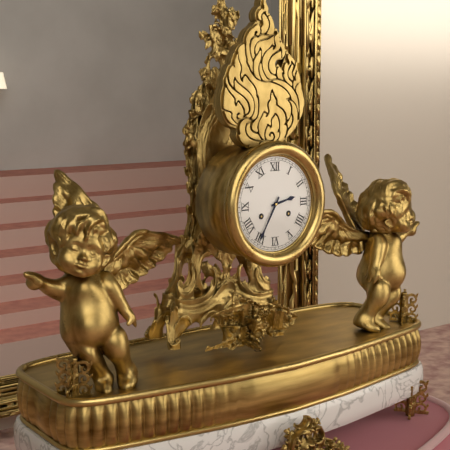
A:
2h35
